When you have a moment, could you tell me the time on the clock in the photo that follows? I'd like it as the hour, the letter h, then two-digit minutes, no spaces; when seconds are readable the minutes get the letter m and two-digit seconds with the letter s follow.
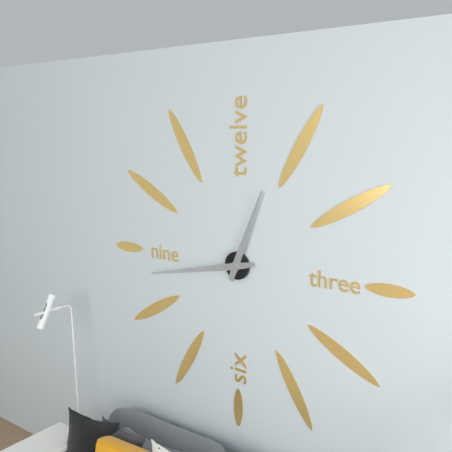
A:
12h43
